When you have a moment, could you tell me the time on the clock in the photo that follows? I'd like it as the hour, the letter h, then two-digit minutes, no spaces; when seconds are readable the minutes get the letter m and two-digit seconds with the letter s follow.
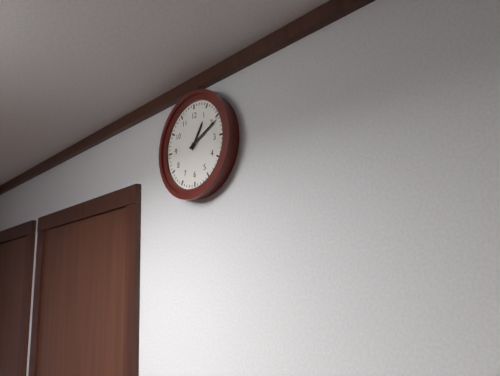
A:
1h11
